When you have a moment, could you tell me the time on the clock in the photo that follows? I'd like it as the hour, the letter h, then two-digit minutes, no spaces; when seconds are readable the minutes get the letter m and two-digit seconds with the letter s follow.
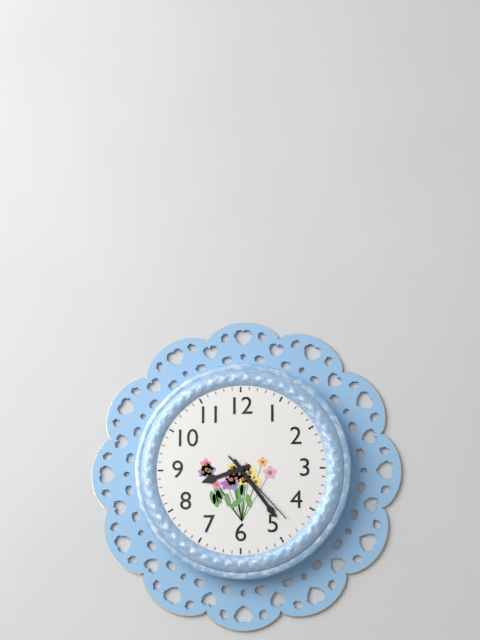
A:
8h24m23s
